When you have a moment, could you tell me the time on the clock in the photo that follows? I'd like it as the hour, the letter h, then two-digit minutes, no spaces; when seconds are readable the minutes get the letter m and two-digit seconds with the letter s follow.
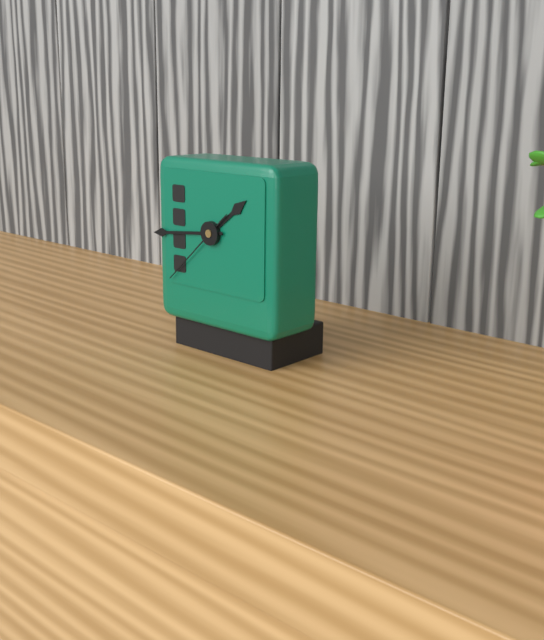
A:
1h44m38s
